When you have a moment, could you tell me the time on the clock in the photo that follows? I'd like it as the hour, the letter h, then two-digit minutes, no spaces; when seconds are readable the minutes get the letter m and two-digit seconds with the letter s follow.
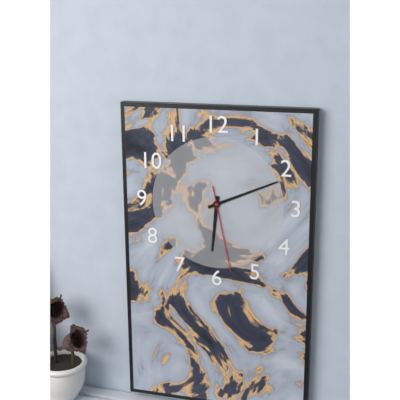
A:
6h11m28s
